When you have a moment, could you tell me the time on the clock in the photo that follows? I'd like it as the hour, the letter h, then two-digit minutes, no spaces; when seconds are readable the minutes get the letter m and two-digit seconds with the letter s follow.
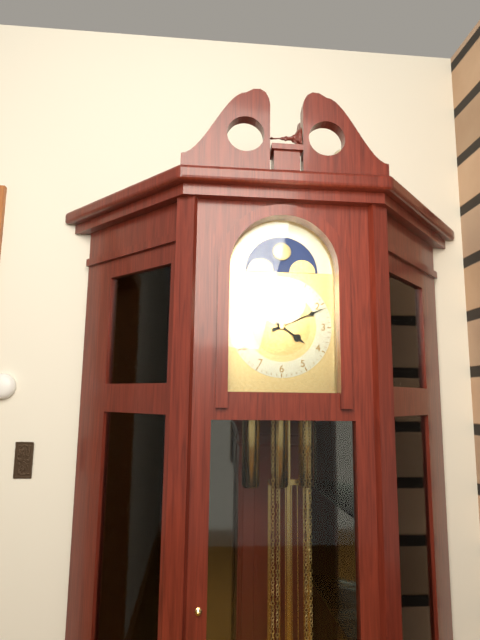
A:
4h11
